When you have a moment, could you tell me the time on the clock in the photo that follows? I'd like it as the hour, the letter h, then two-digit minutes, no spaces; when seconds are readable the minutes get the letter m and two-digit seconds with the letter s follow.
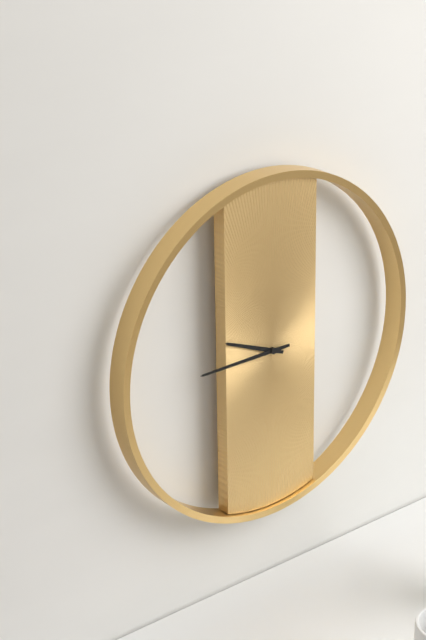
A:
9h45
